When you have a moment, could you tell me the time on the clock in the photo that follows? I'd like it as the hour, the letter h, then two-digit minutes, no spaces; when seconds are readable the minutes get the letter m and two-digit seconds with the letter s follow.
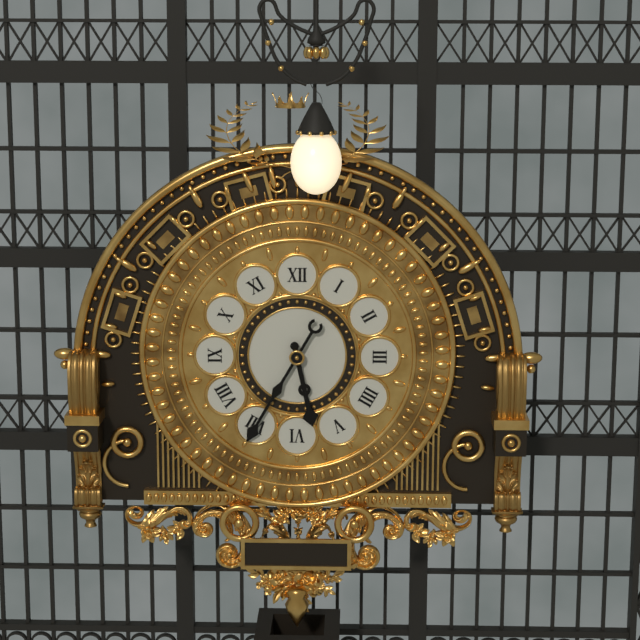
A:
5h35
